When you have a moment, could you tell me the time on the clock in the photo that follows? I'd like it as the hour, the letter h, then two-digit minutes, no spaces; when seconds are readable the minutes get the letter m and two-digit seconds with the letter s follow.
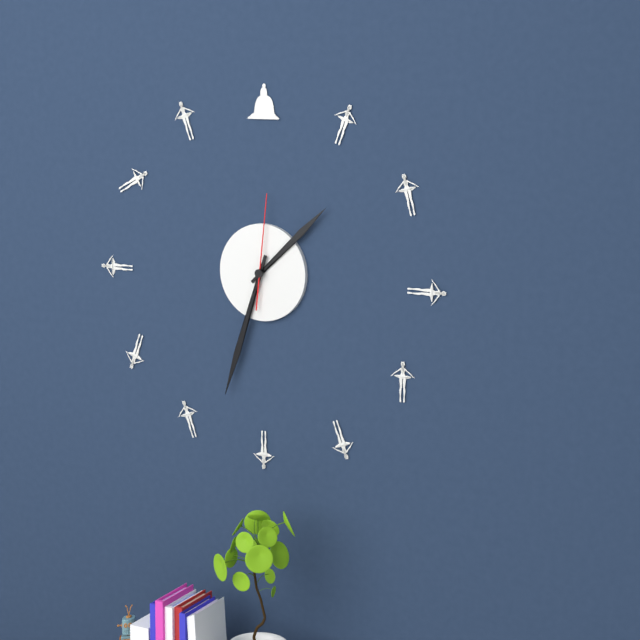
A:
1h33m01s
